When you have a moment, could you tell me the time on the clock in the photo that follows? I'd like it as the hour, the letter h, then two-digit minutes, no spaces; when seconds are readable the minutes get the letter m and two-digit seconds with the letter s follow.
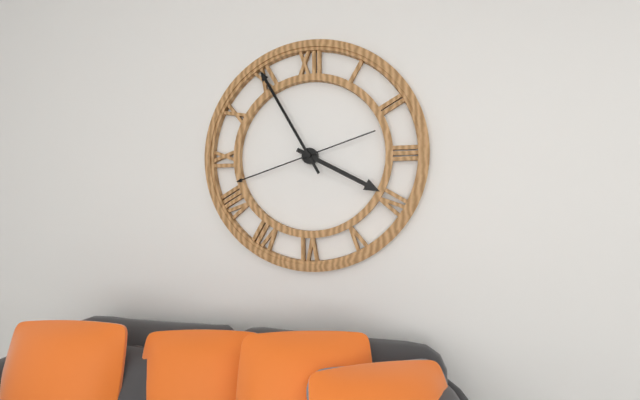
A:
3h55m42s
